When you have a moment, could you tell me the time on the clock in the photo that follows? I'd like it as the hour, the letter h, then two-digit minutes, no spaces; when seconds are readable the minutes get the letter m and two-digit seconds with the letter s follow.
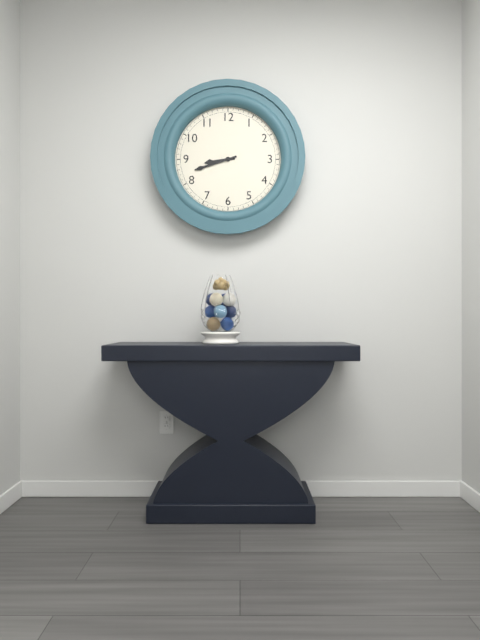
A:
8h42
